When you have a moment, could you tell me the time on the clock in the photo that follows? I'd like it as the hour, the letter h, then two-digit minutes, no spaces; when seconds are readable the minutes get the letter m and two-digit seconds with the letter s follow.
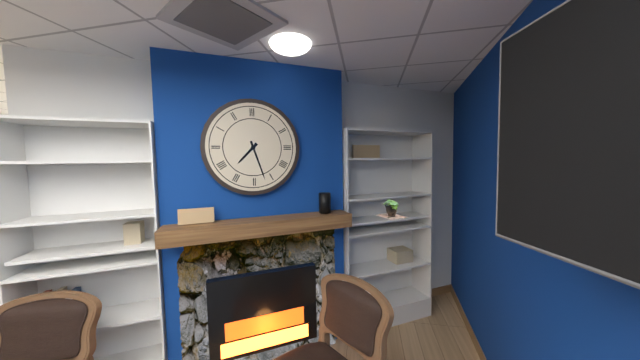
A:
7h27
